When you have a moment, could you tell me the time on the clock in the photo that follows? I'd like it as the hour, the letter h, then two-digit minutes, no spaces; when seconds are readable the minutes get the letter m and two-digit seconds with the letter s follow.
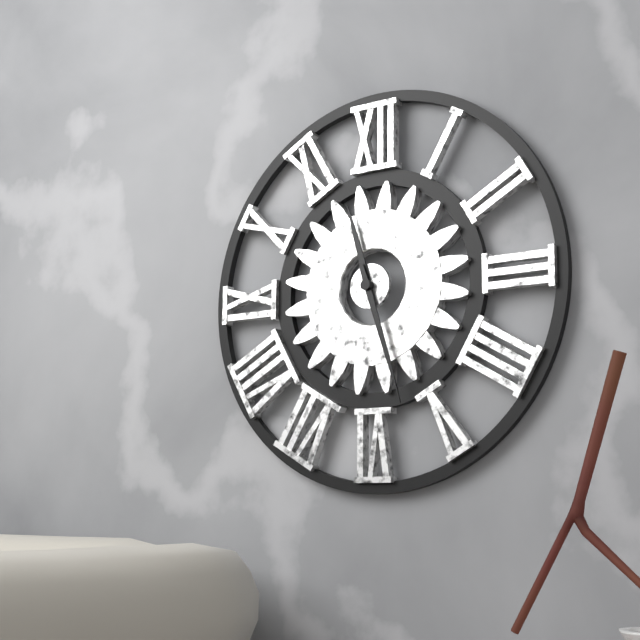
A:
11h27
